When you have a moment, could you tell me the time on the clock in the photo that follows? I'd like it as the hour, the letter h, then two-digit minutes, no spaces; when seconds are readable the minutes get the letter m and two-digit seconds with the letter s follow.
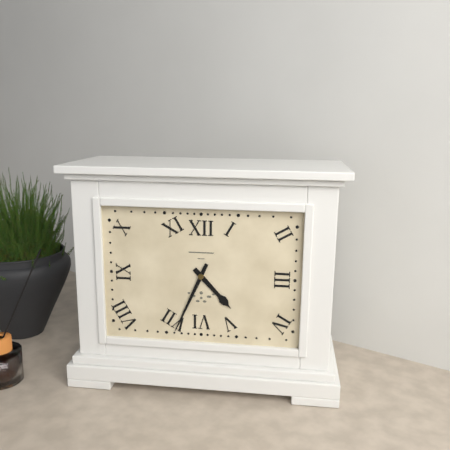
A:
4h34
